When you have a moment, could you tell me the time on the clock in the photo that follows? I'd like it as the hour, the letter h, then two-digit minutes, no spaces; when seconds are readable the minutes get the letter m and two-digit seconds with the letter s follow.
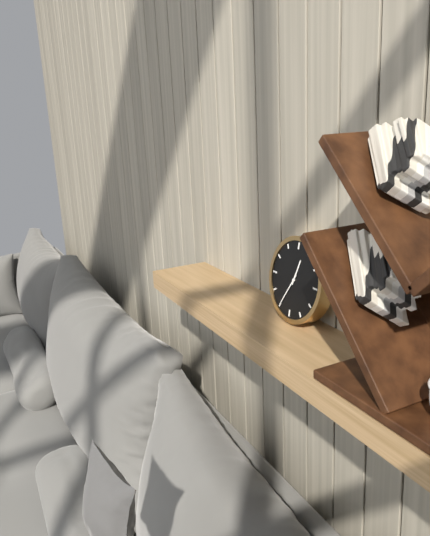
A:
12h35
